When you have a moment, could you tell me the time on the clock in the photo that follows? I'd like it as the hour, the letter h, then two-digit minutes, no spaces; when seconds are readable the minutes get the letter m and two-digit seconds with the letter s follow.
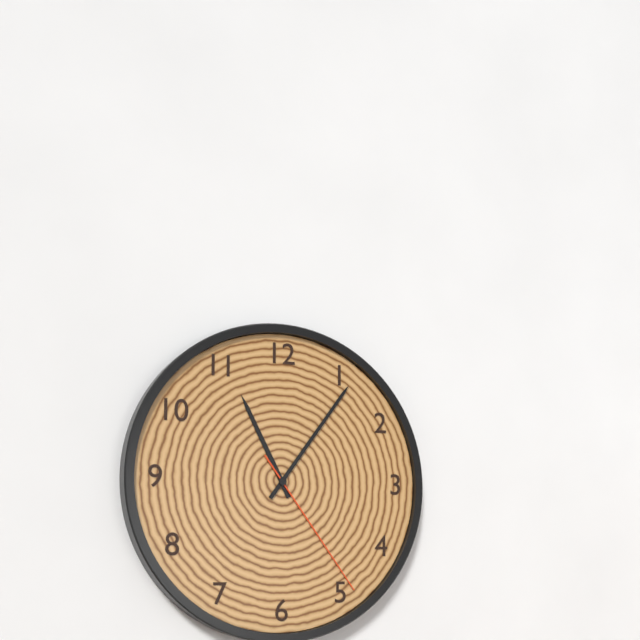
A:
11h06m24s
